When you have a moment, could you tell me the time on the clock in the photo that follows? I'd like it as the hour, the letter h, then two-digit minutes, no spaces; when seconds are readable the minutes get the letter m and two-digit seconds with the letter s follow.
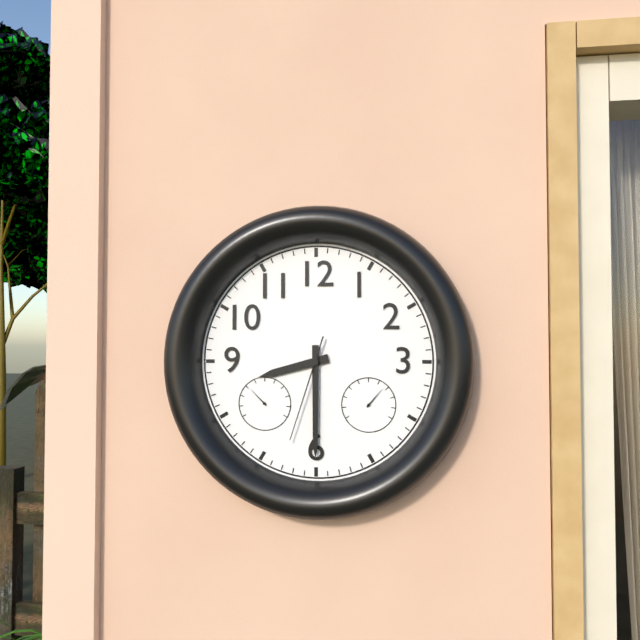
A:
8h30m33s
